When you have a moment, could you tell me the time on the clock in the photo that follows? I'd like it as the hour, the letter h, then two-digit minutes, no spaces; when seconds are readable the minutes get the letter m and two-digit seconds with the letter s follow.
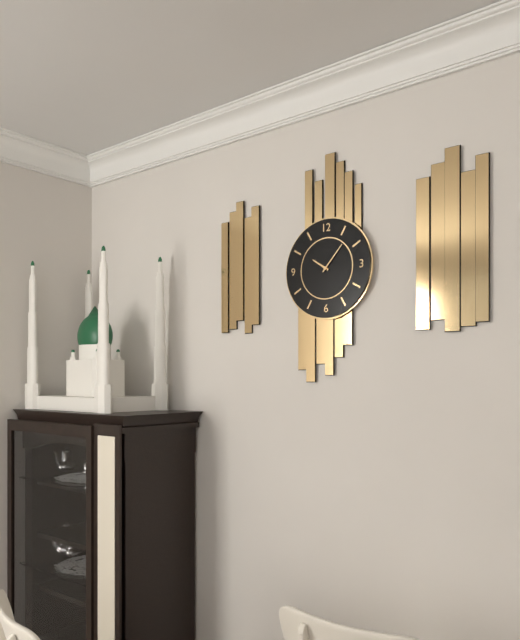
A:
10h07
